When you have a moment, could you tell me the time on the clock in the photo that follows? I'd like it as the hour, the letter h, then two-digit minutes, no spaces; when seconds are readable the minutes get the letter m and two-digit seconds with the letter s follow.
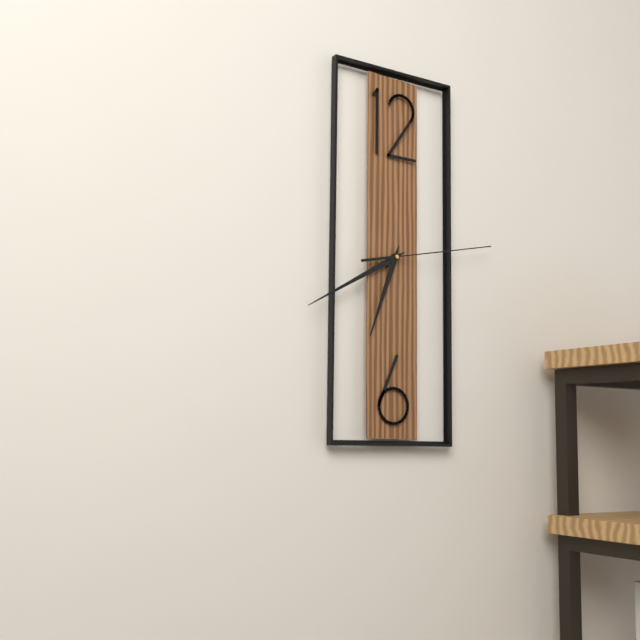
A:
6h40m13s
